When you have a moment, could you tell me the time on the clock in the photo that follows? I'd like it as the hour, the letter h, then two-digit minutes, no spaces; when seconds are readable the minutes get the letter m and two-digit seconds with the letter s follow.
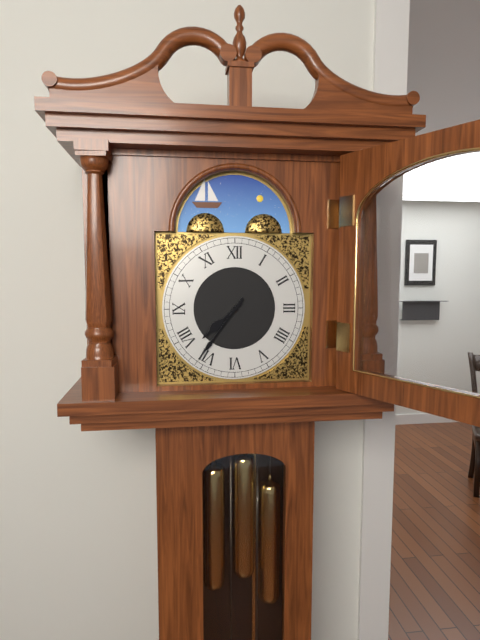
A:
7h36
